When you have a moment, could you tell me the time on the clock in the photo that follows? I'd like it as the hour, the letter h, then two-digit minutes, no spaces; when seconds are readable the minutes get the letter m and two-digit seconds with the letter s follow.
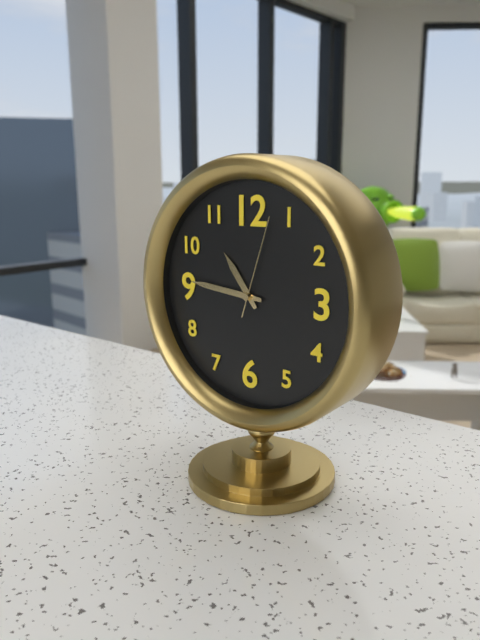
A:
10h46m03s
